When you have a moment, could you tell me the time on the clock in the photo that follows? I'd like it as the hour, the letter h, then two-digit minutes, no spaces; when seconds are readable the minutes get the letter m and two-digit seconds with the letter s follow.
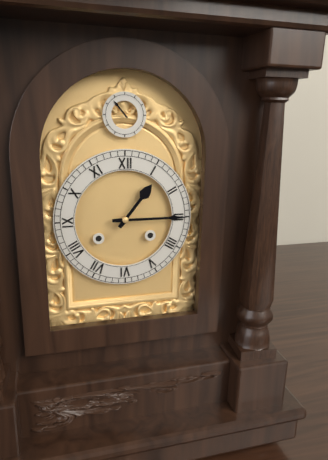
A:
1h15
